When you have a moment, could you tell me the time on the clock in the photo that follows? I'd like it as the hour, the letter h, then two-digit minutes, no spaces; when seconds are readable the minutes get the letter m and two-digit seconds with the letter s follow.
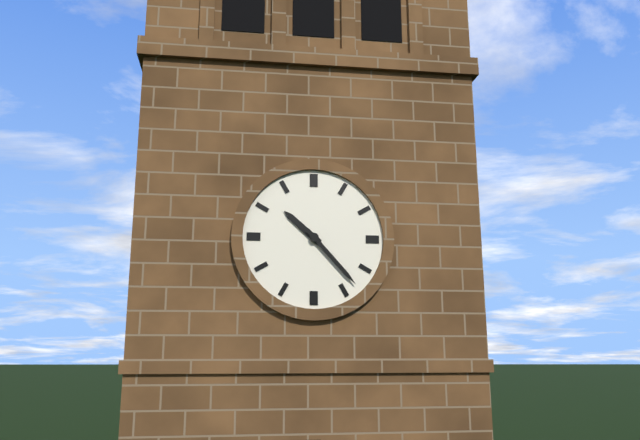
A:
10h23
